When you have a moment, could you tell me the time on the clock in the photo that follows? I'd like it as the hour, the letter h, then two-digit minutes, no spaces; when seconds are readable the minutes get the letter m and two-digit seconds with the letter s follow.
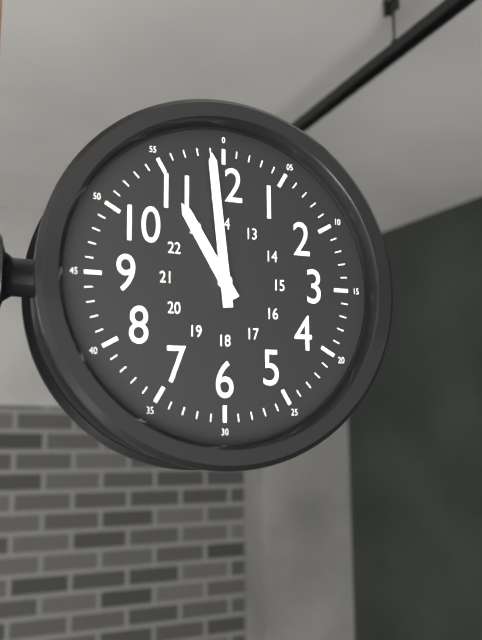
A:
10h59
